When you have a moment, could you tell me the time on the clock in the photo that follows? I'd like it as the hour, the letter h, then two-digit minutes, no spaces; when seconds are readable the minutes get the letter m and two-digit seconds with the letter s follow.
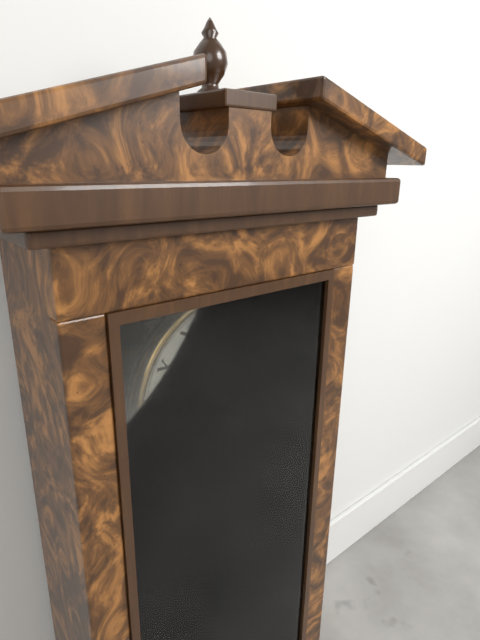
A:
4h30
